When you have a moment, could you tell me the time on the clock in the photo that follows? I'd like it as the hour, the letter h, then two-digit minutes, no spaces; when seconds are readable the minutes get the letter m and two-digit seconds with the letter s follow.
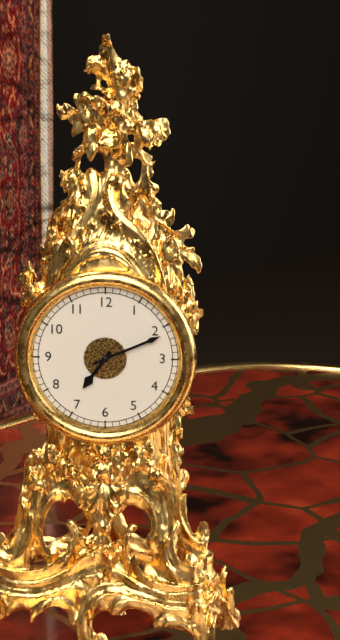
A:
7h11
